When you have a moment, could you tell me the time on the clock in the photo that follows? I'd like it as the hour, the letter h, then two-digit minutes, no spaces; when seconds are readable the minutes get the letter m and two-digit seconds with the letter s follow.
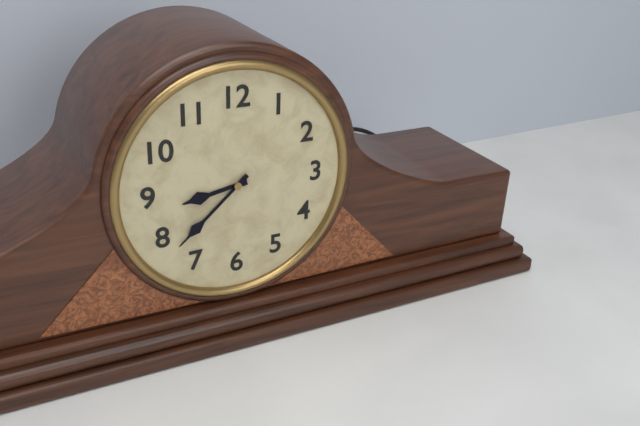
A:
8h38
